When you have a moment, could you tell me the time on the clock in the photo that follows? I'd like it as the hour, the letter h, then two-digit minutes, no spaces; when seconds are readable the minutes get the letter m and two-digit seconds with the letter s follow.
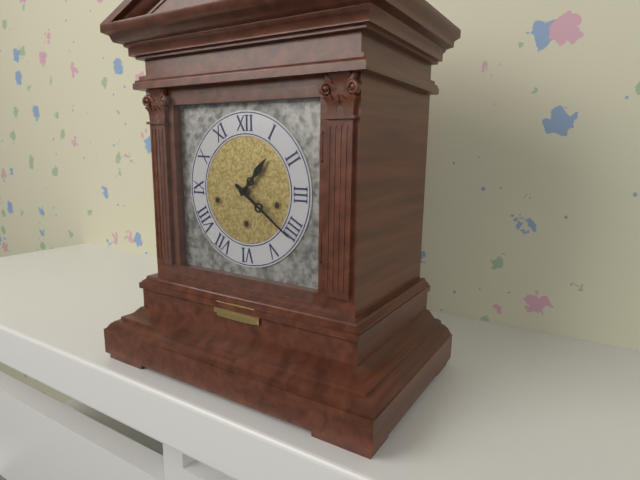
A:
1h21
